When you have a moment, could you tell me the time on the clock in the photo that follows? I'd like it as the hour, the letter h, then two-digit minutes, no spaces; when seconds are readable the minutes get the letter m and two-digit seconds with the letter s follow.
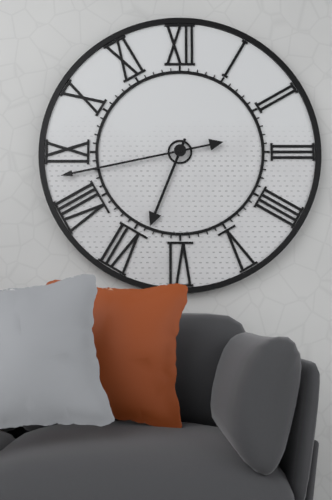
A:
6h43
